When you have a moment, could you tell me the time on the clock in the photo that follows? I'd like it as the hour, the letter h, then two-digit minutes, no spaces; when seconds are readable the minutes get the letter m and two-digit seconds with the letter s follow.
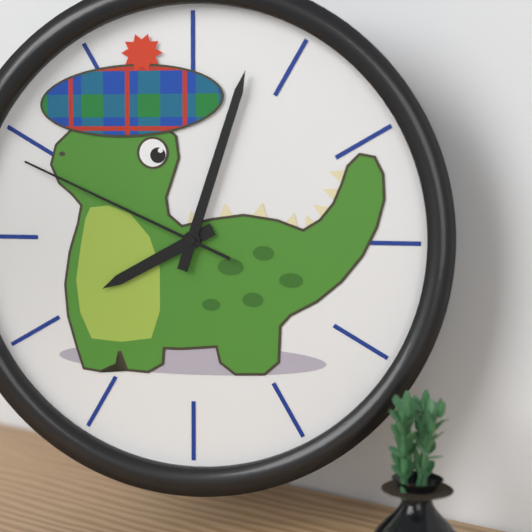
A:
8h03m49s
